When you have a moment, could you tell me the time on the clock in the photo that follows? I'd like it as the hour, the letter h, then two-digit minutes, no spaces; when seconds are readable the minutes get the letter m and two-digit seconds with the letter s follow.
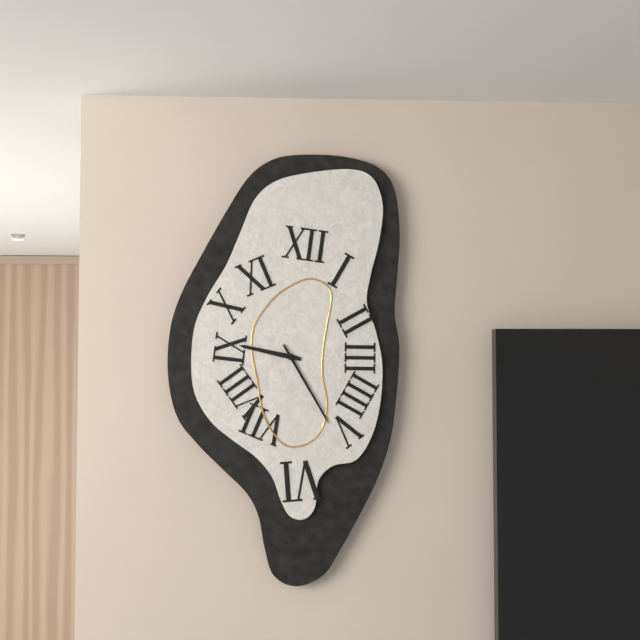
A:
9h25
